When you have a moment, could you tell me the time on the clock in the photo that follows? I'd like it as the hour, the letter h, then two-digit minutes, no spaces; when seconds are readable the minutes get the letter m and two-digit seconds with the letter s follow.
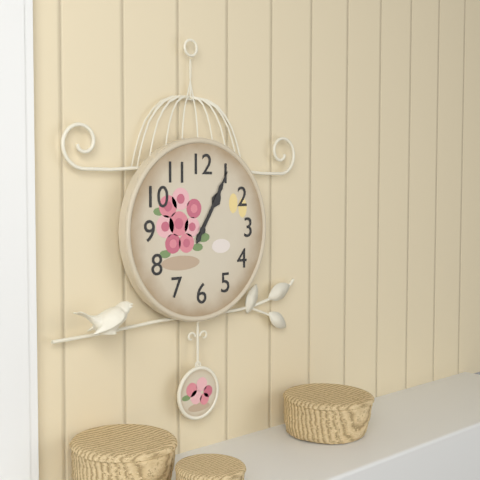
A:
1h05
